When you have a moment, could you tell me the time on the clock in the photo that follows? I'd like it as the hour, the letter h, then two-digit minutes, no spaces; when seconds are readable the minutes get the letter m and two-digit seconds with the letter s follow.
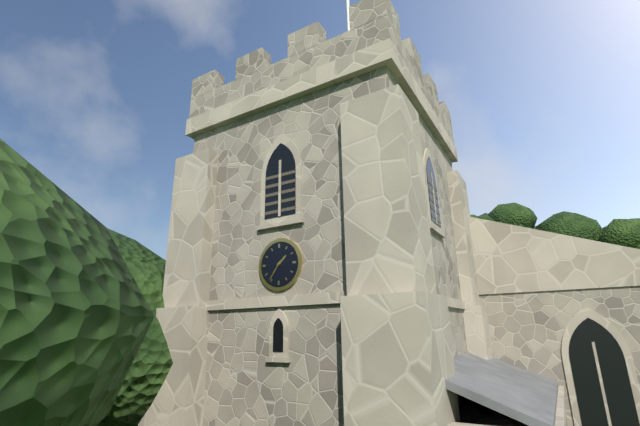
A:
1h36
